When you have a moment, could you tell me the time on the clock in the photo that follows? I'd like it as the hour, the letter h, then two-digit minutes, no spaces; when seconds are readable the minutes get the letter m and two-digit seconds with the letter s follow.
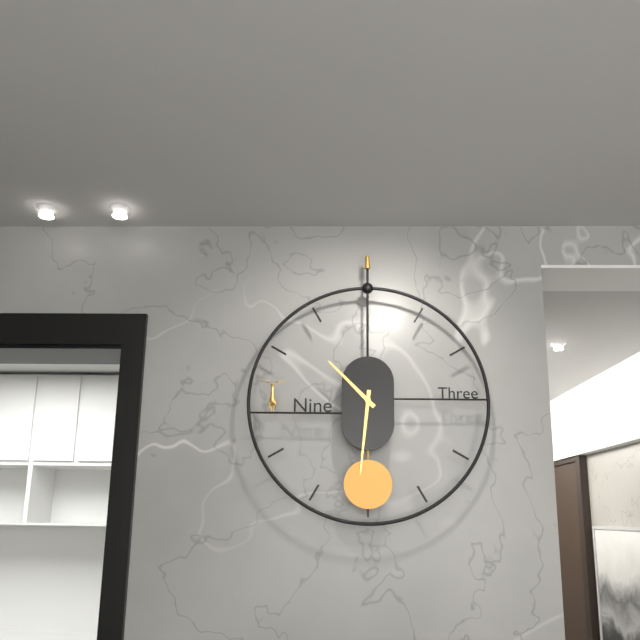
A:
10h31
